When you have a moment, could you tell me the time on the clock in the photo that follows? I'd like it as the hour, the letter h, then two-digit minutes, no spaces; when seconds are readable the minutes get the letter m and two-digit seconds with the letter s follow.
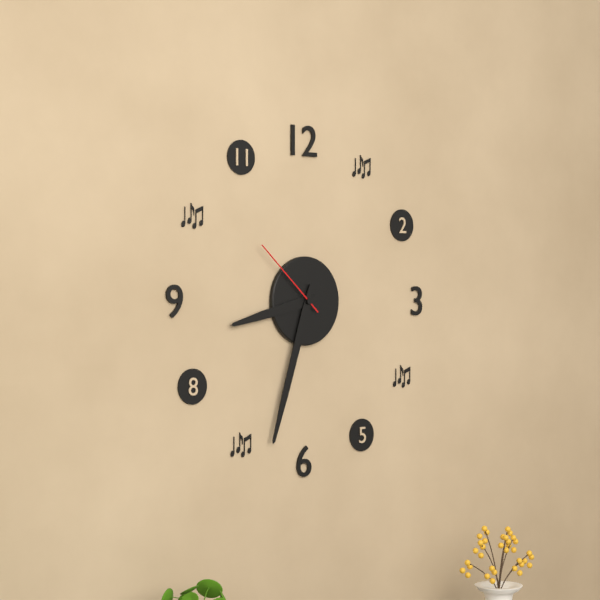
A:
8h33m52s
